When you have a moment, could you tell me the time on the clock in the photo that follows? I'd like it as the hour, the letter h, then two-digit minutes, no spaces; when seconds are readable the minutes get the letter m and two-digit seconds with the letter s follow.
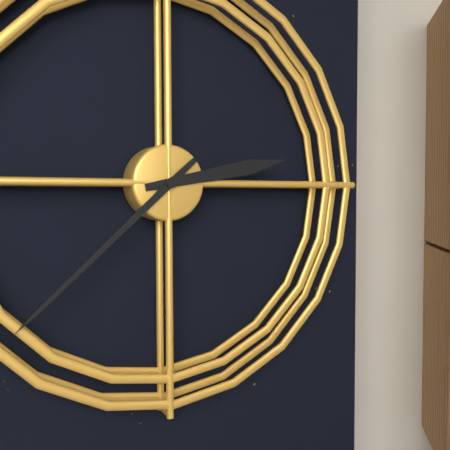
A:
2h38
